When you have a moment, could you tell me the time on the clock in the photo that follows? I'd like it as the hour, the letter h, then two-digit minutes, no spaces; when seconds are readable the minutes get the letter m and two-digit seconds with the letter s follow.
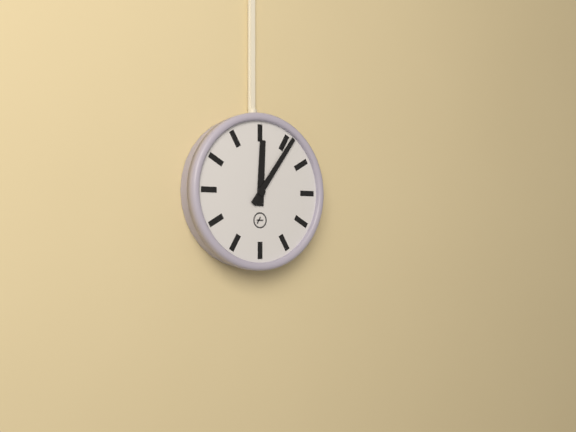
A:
12h06
